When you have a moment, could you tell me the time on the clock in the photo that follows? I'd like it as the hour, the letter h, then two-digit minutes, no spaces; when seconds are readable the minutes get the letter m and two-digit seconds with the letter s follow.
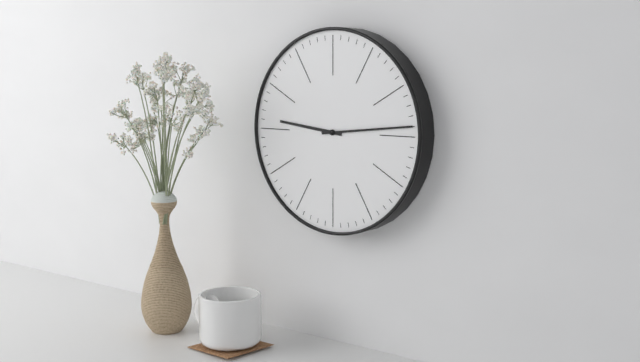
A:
9h14
